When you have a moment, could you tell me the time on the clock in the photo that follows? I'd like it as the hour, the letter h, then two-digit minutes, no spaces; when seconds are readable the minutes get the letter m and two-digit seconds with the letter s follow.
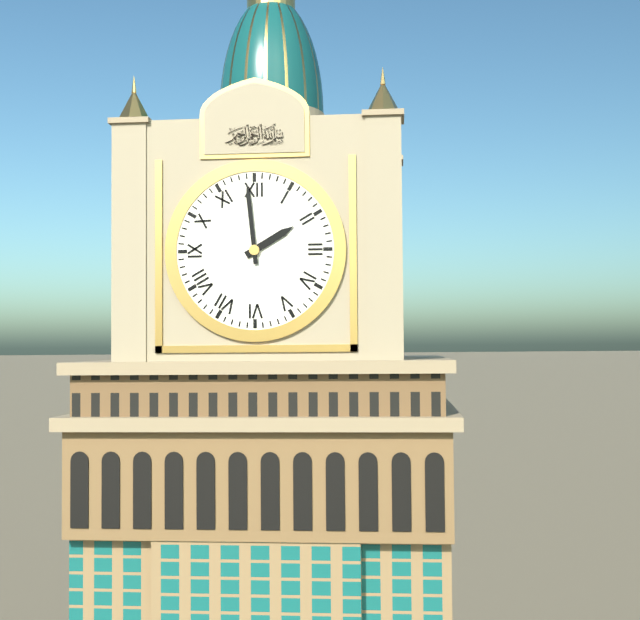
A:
1h59
